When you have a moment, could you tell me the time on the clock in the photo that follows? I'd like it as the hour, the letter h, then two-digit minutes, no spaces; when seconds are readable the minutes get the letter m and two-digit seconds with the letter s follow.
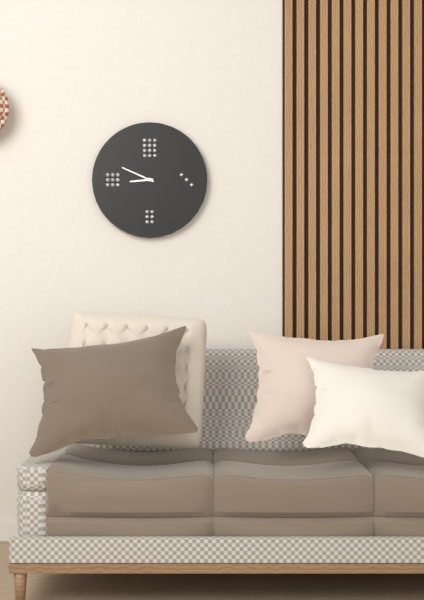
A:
8h49
